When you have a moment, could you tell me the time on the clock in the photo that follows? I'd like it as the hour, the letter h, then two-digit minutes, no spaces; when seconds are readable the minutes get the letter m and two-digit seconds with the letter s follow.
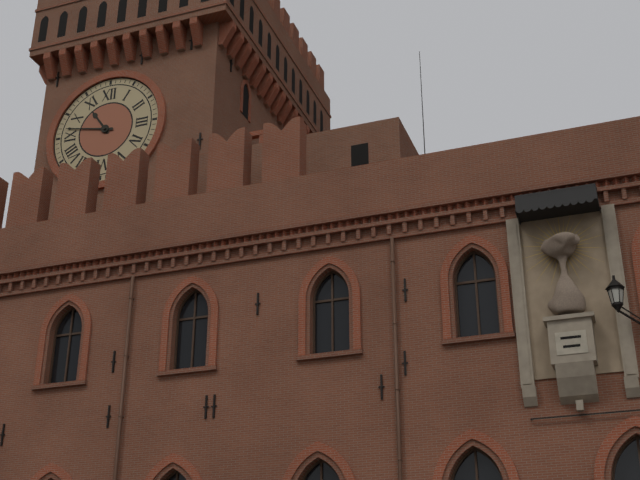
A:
10h47
